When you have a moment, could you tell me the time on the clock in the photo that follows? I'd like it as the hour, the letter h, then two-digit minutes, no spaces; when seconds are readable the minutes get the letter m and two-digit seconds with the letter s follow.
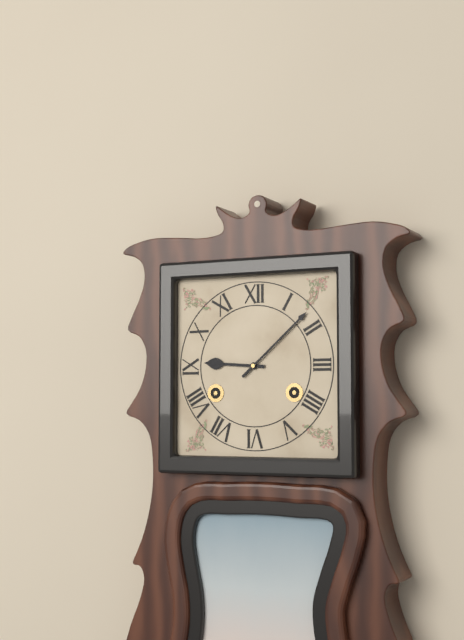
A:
9h08
